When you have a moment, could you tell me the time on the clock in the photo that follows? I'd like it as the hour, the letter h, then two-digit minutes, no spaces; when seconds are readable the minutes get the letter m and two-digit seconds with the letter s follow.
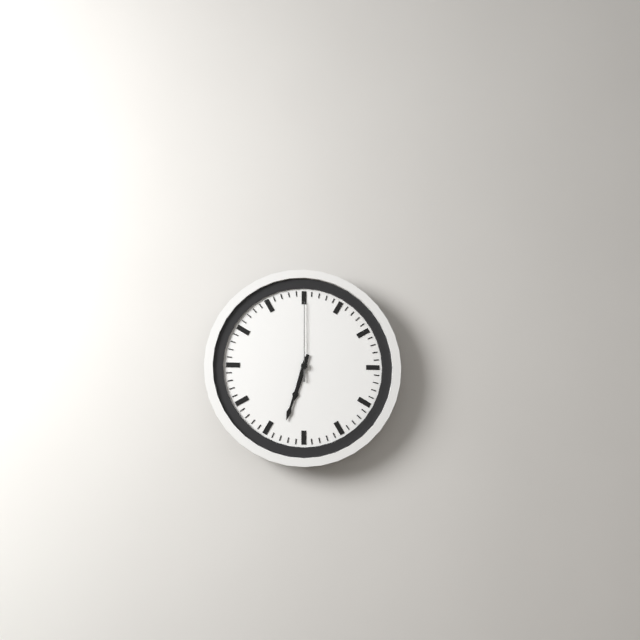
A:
6h33m00s
